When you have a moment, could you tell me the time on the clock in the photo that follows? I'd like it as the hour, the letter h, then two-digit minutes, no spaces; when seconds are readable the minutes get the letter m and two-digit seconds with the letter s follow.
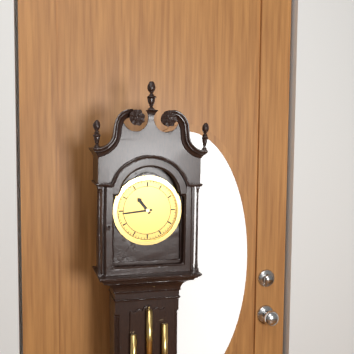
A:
10h44
